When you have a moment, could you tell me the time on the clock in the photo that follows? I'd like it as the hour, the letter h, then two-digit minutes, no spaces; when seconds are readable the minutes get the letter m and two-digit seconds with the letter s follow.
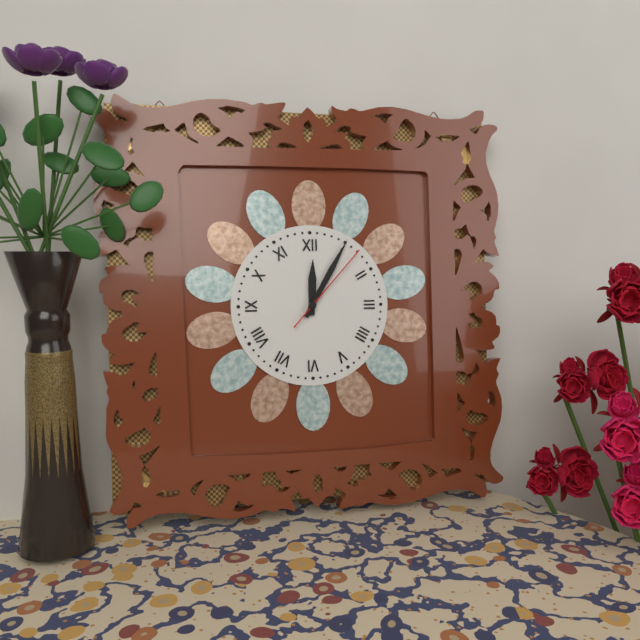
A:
12h05m07s
